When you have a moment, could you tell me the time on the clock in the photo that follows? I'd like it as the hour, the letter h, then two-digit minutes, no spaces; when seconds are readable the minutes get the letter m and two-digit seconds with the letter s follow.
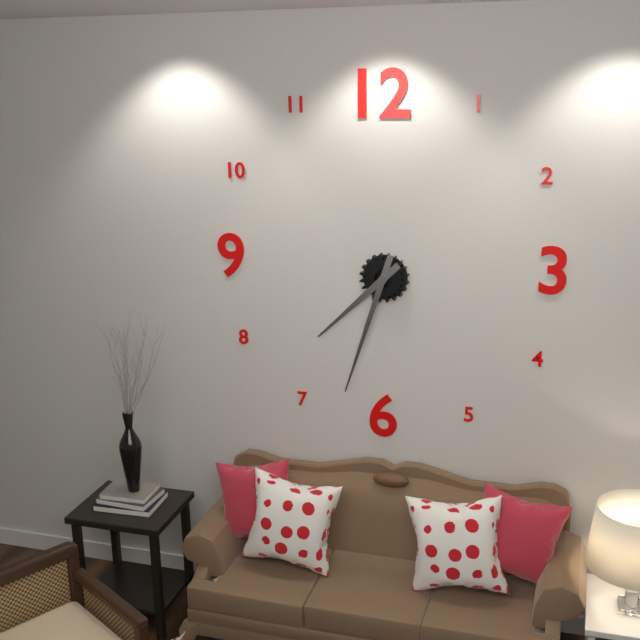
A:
7h33
